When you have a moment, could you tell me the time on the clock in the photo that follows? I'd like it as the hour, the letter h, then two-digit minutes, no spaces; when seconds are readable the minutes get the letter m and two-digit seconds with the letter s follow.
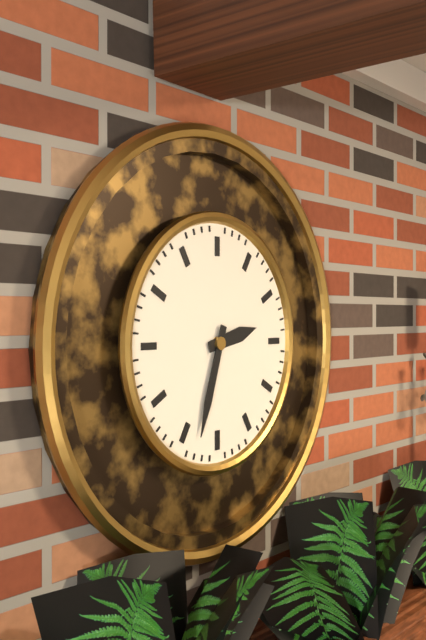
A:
2h33
